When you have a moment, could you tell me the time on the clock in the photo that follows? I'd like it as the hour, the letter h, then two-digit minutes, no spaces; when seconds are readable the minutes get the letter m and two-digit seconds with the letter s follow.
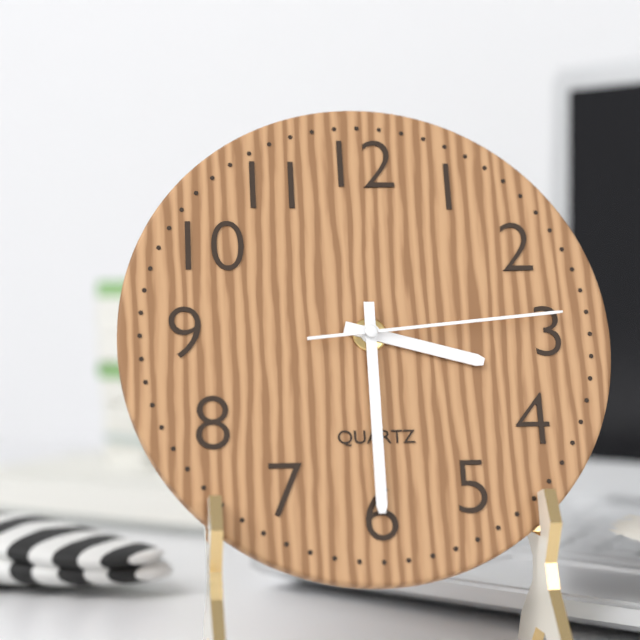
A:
3h30m14s
